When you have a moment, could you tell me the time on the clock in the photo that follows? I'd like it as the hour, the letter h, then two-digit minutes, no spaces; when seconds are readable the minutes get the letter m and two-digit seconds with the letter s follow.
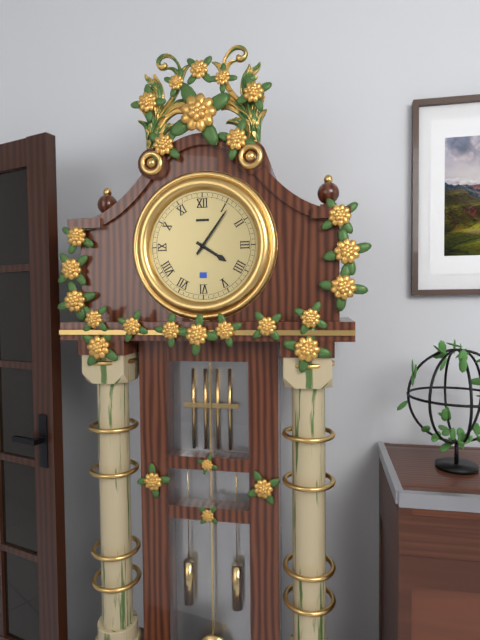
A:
4h06
